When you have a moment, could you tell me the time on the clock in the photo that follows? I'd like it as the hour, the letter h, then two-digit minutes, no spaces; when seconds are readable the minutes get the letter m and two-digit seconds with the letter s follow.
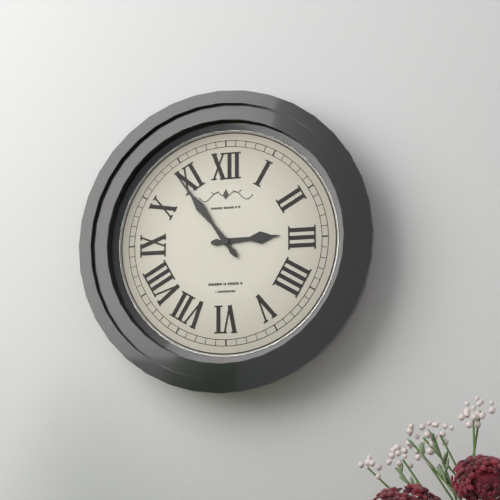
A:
2h54
